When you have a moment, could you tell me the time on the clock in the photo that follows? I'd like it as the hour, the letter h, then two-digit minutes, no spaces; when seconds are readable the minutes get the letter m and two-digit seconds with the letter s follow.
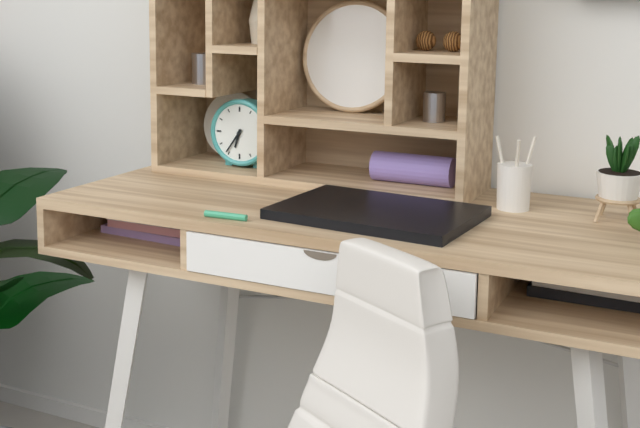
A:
6h36
